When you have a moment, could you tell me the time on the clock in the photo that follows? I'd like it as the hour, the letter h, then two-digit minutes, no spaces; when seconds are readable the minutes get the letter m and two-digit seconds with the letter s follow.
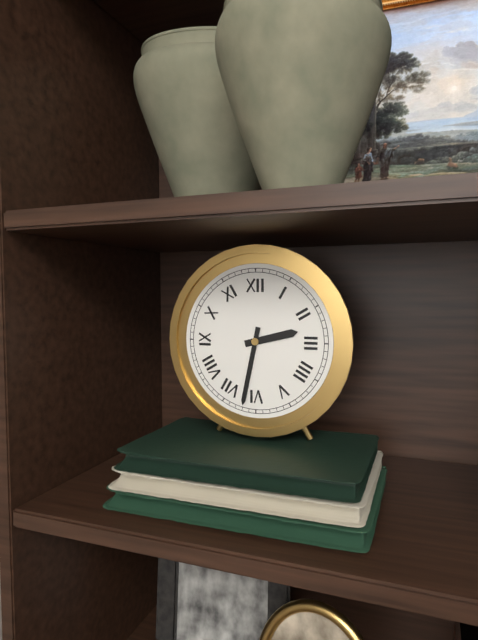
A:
2h32
